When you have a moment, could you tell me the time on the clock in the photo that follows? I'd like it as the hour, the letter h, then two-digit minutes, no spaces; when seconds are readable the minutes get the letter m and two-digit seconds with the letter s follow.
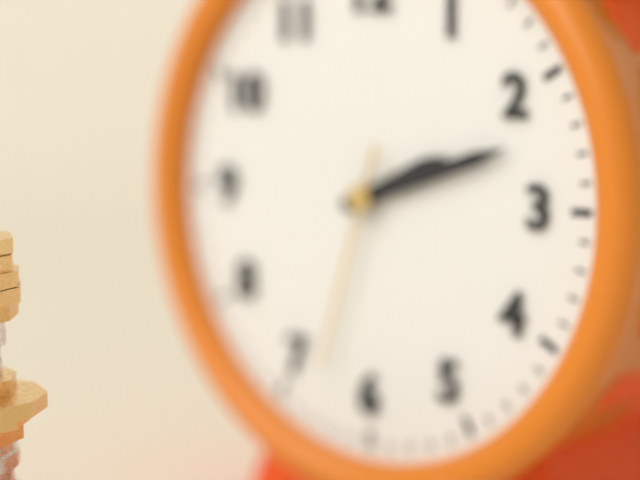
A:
2h12m33s
